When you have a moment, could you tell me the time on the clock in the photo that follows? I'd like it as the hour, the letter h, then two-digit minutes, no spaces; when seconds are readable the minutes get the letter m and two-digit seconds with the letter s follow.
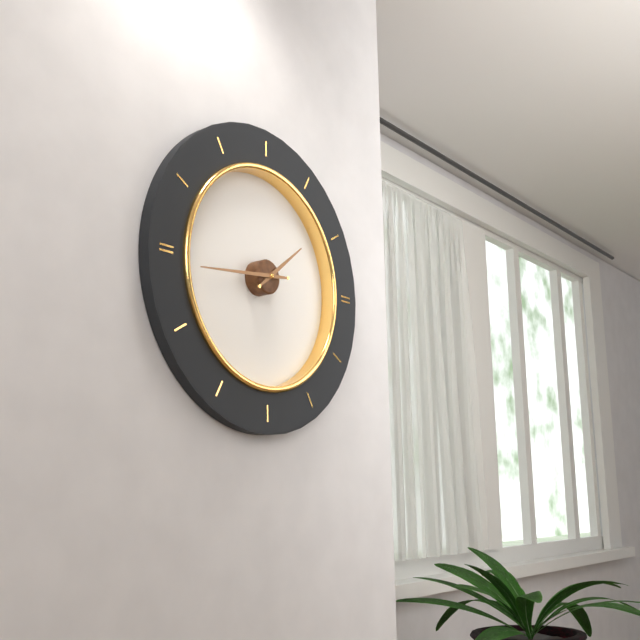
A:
1h44
